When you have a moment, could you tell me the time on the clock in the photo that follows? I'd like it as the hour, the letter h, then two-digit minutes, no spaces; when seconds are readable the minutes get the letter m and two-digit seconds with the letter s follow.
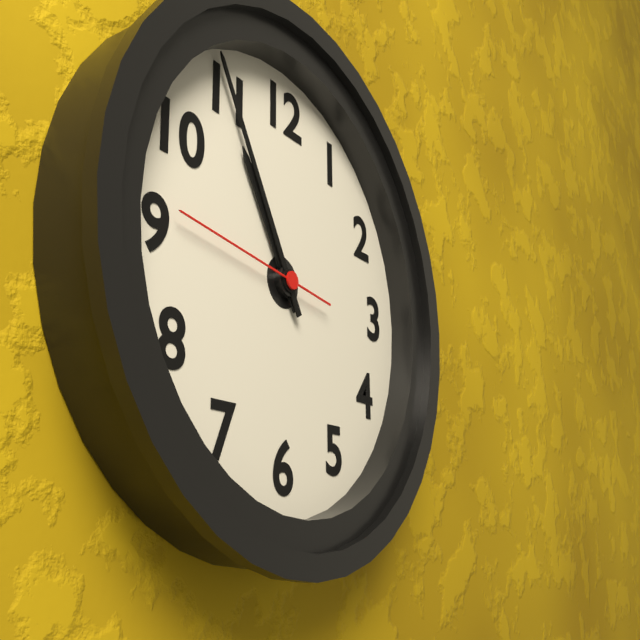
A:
10h55m46s
